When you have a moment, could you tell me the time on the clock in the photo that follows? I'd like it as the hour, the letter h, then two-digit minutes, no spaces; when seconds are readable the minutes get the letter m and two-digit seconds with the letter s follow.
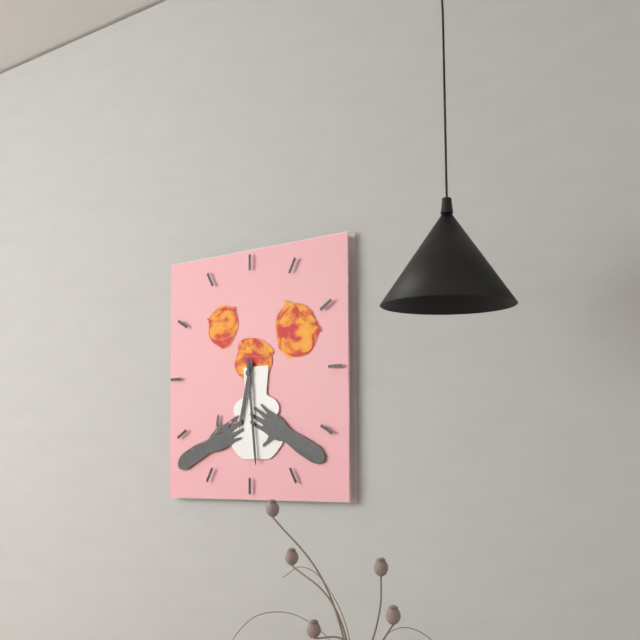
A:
6h29
